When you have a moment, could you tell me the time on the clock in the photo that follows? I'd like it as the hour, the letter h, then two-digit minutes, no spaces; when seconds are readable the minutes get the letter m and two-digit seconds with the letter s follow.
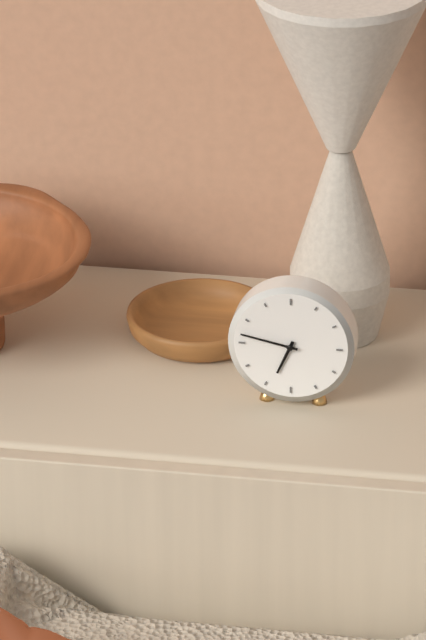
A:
6h47
